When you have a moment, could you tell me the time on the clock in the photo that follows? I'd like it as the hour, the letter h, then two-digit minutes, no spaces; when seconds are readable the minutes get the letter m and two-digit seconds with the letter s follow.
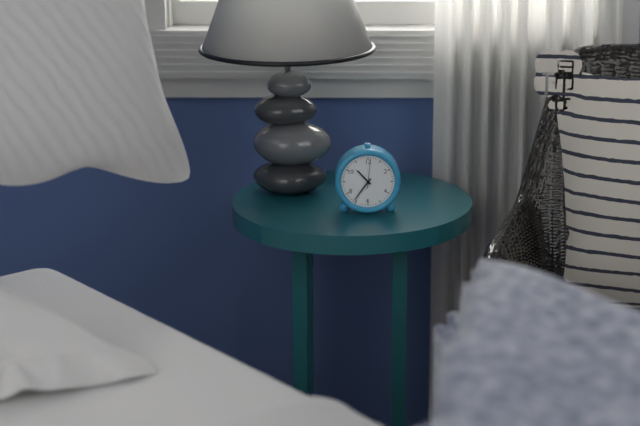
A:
10h36
